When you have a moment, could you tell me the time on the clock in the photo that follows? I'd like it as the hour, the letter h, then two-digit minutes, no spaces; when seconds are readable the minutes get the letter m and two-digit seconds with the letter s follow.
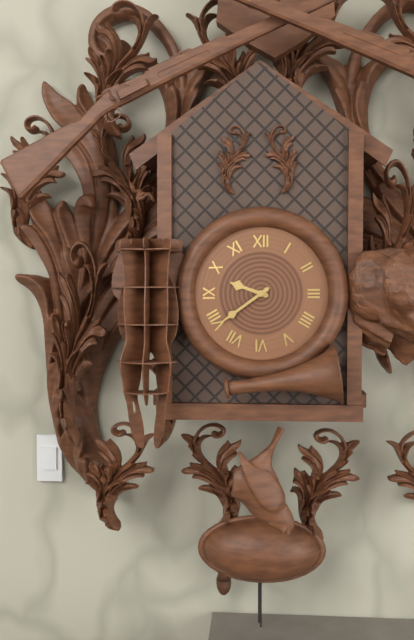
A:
9h39
